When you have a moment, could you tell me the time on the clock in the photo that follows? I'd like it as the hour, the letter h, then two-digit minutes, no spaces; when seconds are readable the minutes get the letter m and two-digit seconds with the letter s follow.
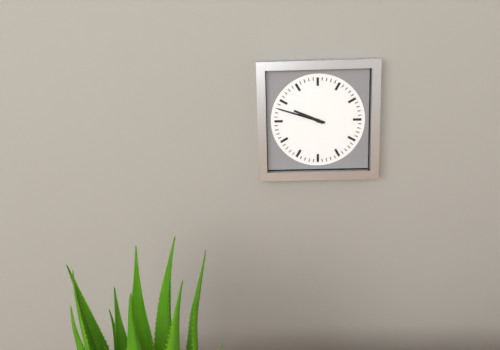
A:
9h48
